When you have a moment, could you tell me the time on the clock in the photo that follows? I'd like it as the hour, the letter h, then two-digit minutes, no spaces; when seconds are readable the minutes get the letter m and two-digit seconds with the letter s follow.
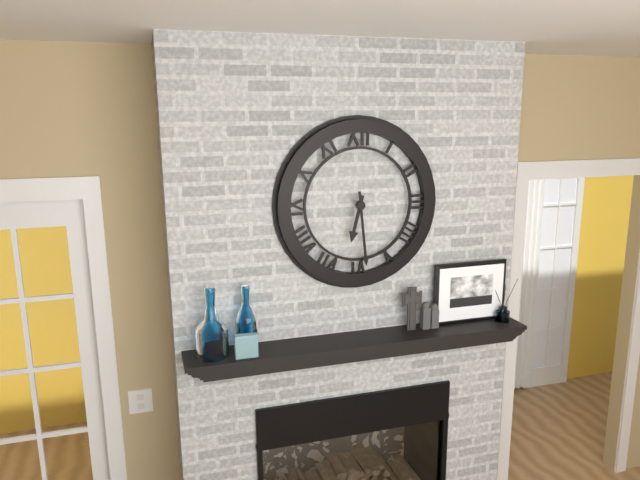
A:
6h29
